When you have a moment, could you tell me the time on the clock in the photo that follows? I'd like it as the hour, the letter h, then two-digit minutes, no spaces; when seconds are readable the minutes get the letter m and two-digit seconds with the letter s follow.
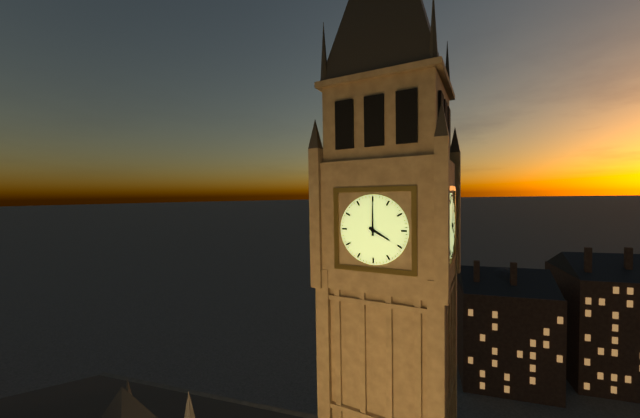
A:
4h00
